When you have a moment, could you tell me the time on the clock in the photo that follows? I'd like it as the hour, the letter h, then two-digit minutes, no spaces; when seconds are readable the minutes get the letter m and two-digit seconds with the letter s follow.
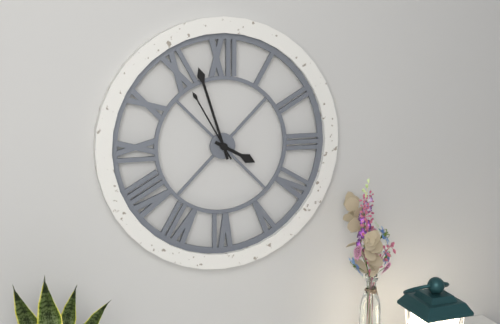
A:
3h57m55s
